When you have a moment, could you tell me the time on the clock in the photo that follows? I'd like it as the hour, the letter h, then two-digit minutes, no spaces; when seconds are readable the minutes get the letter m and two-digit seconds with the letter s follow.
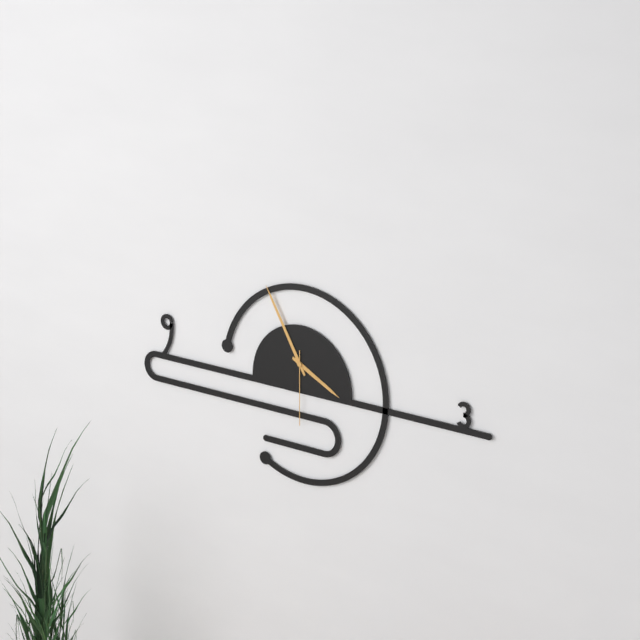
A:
3h55m30s
